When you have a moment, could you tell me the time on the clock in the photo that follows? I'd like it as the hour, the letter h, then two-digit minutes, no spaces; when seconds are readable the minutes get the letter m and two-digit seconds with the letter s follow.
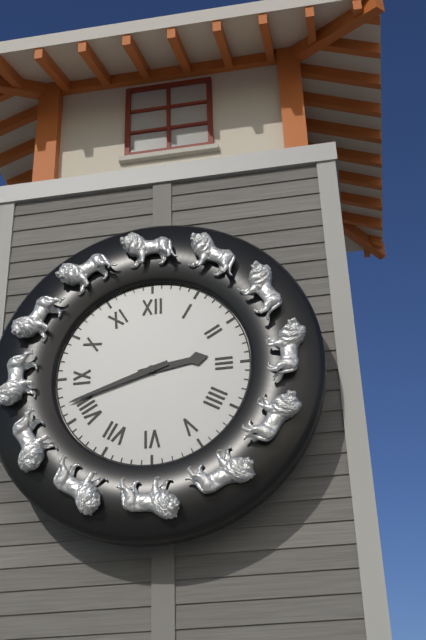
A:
2h42
